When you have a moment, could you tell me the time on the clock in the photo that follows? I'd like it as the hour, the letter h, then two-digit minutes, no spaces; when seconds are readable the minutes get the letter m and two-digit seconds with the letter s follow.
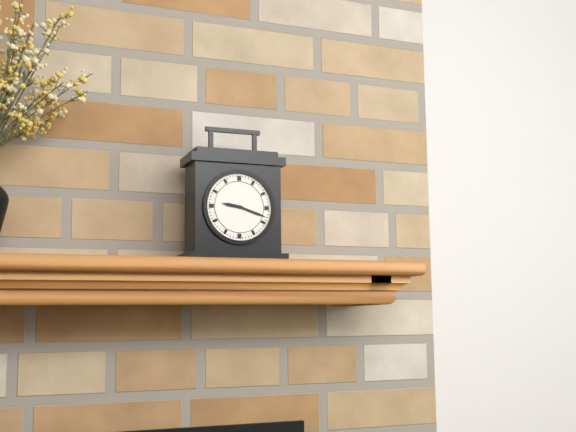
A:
9h18
